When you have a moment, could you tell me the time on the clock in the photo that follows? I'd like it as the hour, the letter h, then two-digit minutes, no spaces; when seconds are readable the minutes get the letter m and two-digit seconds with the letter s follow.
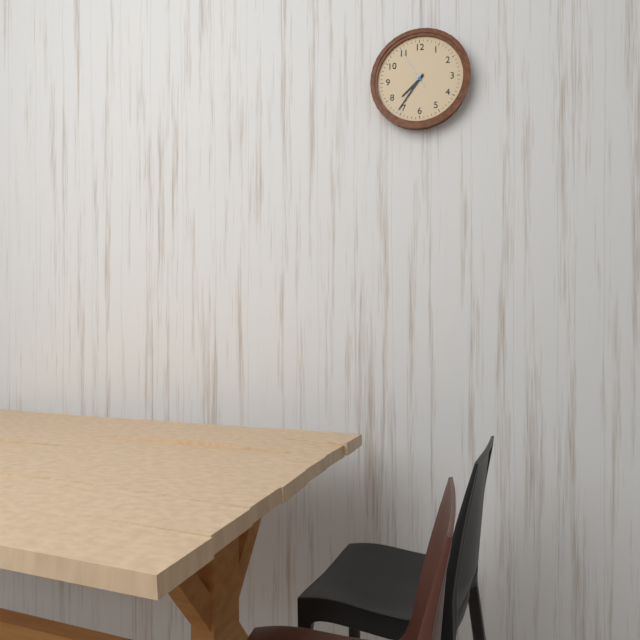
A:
7h36
